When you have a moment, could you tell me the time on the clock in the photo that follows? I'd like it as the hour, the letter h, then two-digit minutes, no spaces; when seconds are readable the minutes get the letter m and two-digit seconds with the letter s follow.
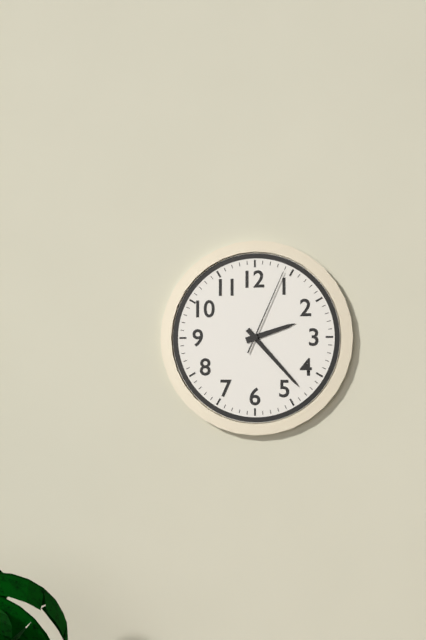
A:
2h23m04s
